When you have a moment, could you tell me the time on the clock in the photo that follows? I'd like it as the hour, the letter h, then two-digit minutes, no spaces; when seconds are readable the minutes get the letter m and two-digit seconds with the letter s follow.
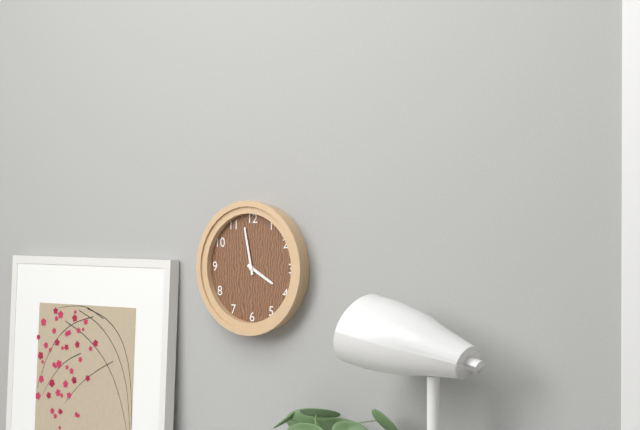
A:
3h58
